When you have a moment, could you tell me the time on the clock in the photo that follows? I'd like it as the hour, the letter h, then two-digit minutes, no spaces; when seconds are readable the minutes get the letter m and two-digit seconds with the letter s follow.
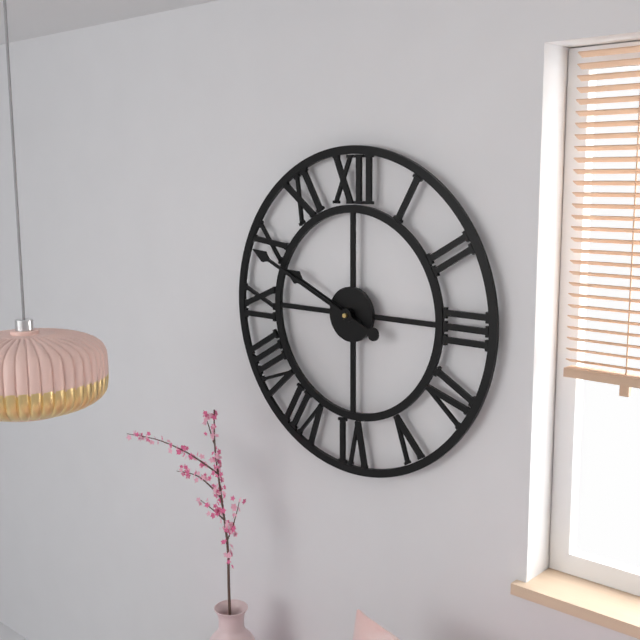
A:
9h49
